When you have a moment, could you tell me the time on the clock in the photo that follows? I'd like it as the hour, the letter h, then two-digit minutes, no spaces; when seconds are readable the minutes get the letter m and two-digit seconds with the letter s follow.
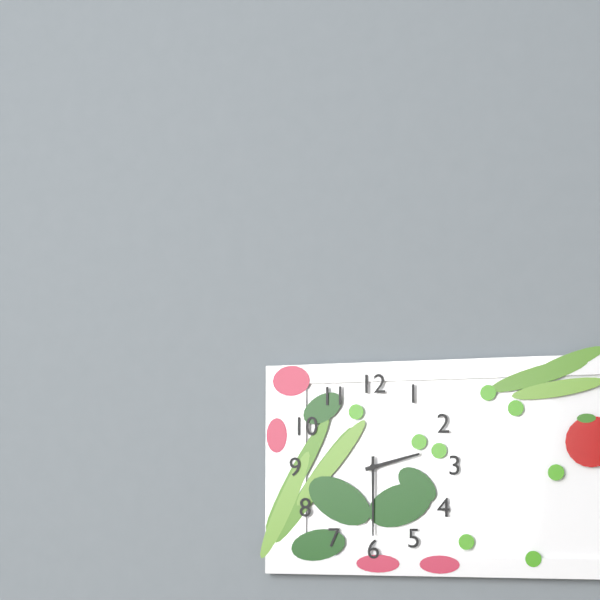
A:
2h30
